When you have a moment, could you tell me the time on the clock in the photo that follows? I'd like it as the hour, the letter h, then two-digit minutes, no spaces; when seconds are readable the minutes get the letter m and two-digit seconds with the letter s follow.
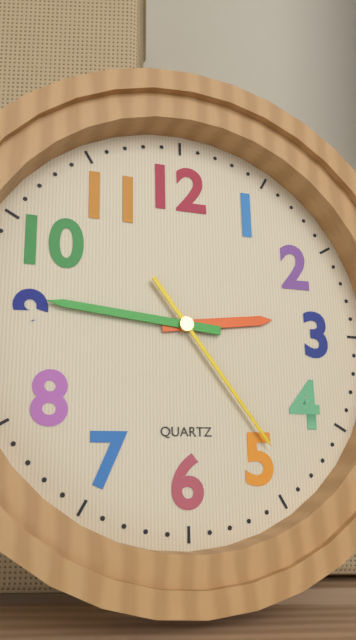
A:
2h46m24s
